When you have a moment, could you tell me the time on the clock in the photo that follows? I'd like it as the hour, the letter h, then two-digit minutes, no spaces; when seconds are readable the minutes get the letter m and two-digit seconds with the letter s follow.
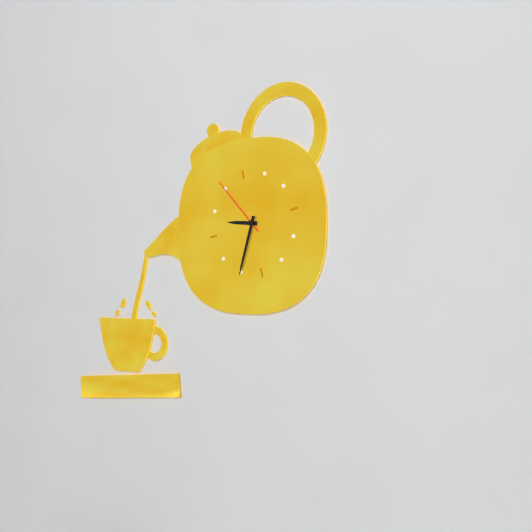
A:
9h35m55s
